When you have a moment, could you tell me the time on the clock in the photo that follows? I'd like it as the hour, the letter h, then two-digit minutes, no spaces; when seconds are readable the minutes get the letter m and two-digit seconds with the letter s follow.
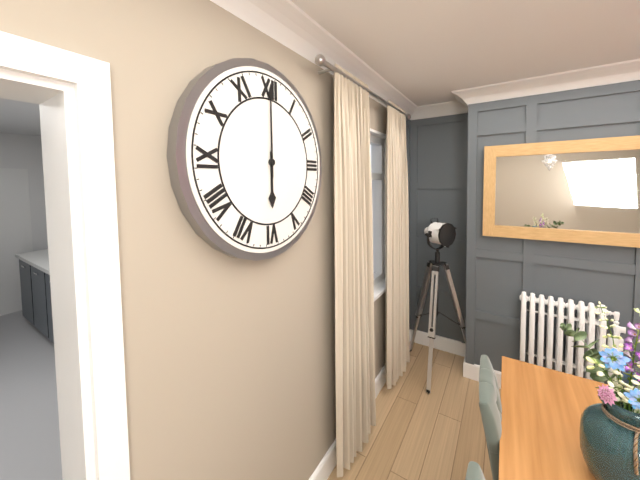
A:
6h00
